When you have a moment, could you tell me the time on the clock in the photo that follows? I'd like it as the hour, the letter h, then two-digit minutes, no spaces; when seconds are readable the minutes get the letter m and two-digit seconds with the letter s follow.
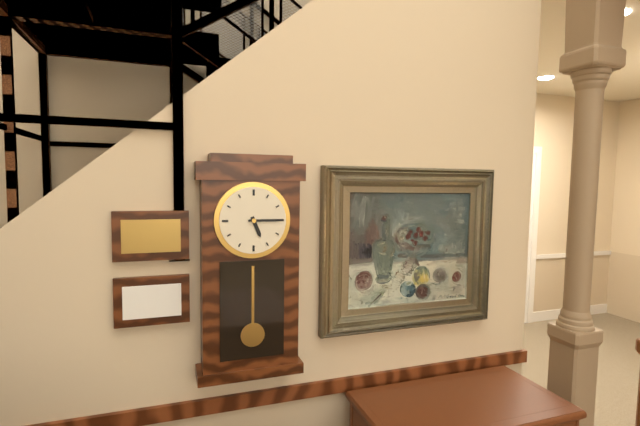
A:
5h15
